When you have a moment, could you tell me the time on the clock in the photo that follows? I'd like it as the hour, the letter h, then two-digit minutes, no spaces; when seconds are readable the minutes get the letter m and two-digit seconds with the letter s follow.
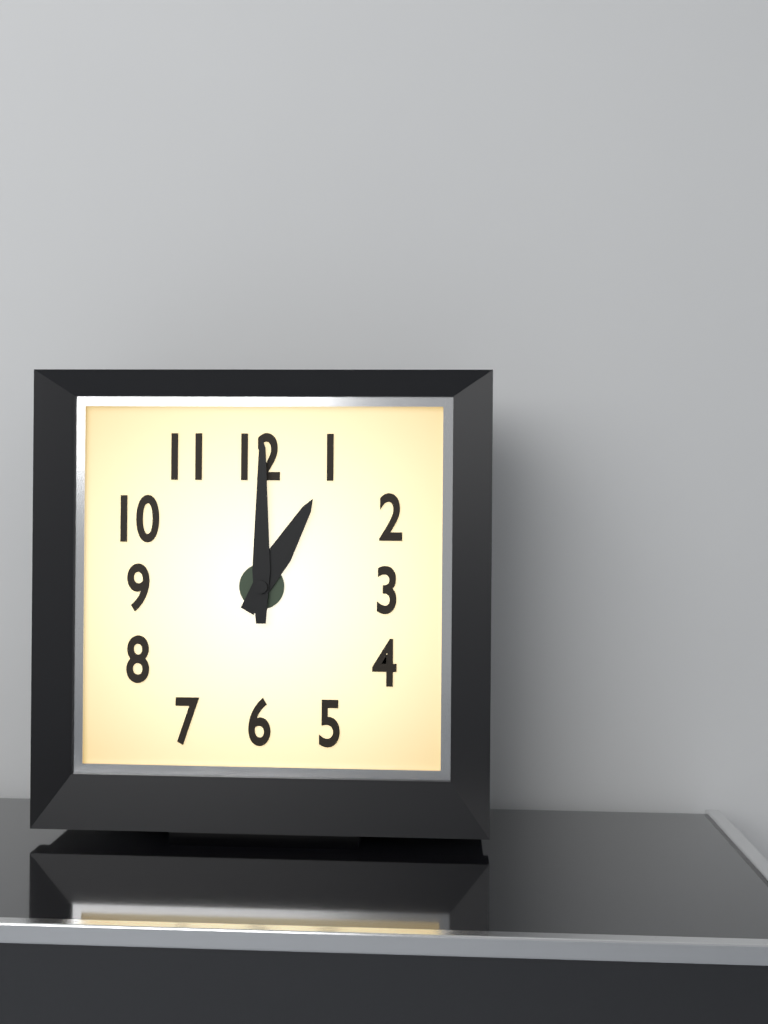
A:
1h00
